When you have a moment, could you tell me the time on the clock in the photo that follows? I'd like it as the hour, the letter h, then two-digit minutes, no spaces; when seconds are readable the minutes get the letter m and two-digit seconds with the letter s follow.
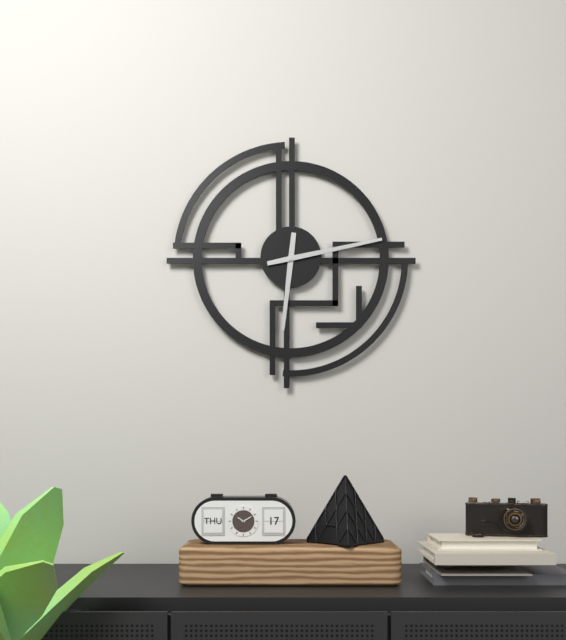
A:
6h13
